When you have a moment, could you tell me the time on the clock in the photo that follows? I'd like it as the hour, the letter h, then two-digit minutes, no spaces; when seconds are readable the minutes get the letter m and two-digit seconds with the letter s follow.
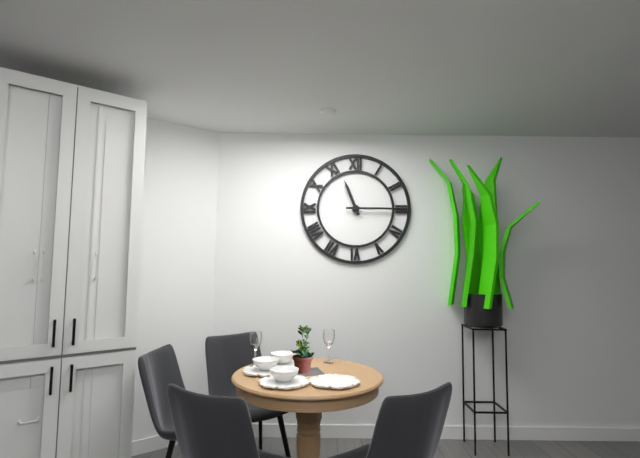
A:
11h15
